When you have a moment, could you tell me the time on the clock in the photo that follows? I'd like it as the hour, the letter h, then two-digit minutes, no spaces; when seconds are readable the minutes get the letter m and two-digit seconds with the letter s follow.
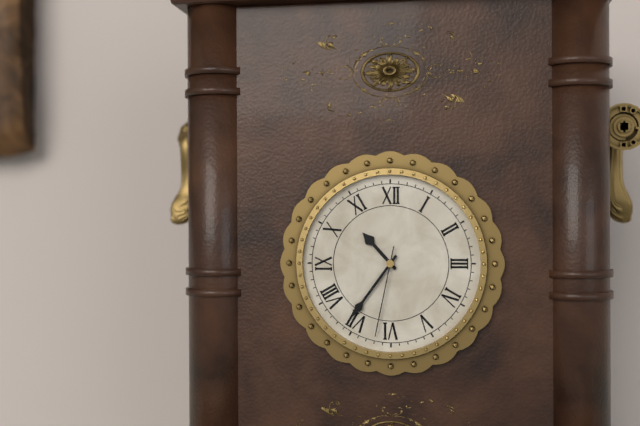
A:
10h36m32s
